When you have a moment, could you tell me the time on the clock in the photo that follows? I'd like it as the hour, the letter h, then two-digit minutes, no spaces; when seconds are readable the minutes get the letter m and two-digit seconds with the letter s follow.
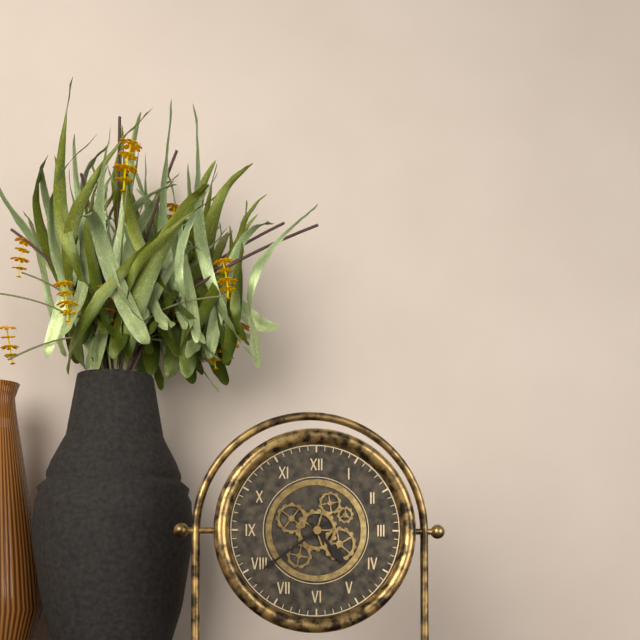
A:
4h39
